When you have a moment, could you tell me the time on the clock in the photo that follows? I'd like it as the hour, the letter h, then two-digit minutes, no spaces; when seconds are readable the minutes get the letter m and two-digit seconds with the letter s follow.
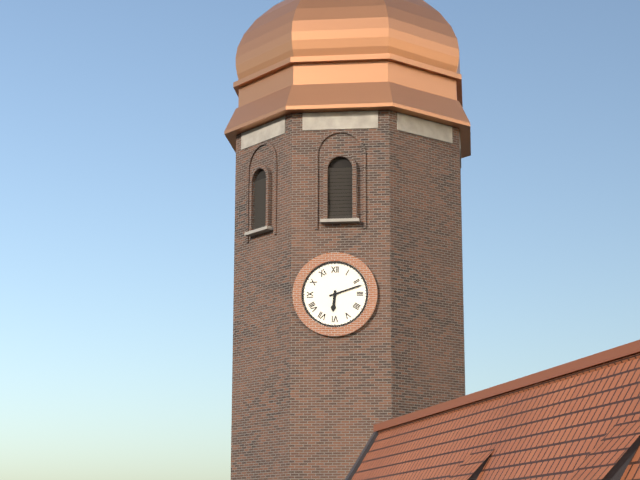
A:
6h12
